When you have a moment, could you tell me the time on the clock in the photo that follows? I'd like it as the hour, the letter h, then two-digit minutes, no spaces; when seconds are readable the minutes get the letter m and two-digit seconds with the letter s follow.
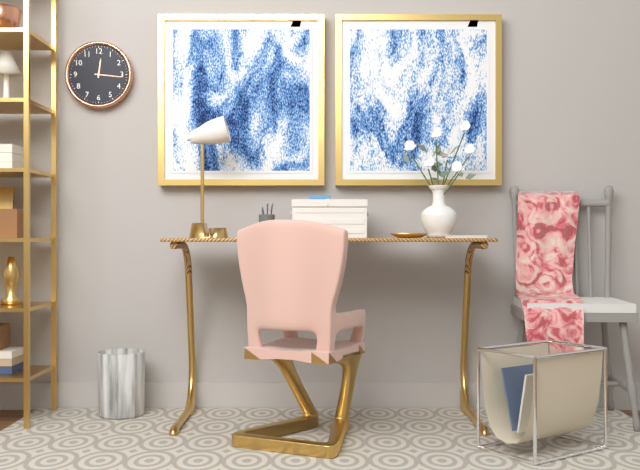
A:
12h16
